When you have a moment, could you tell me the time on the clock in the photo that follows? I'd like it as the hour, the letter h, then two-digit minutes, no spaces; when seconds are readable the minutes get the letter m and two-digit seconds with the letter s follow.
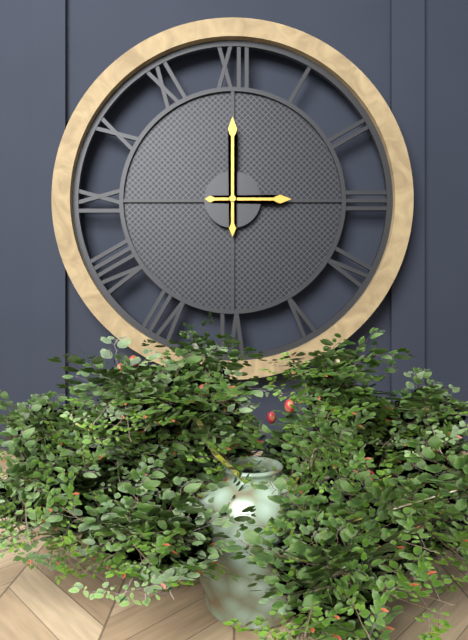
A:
3h00
